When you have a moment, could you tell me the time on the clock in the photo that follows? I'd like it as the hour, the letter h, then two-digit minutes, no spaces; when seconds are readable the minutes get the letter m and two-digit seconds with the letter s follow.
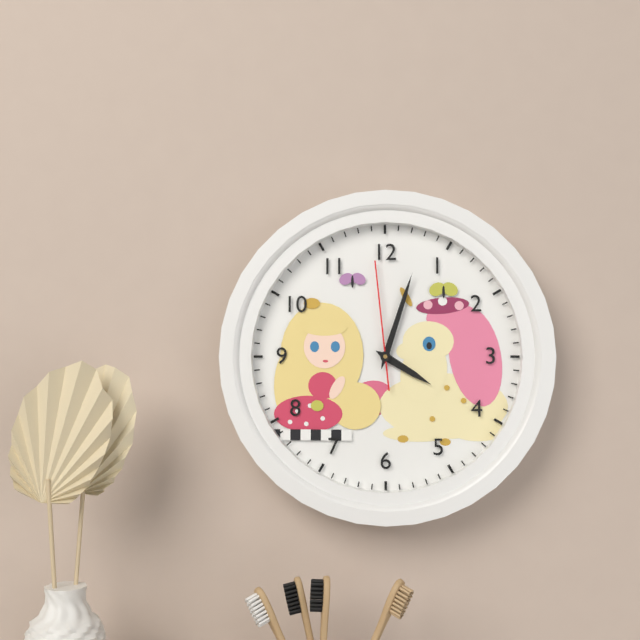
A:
4h03m59s
